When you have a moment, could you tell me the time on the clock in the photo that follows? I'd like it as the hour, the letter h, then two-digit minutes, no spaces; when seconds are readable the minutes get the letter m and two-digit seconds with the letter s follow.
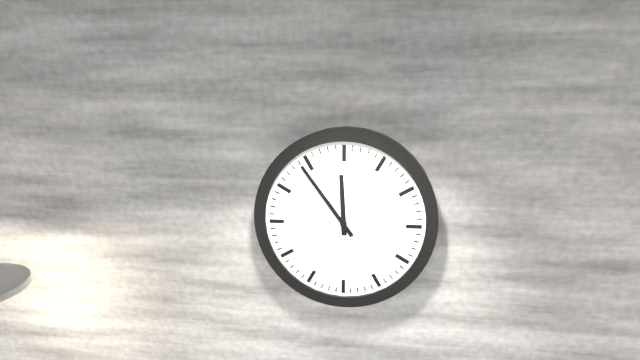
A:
11h54
